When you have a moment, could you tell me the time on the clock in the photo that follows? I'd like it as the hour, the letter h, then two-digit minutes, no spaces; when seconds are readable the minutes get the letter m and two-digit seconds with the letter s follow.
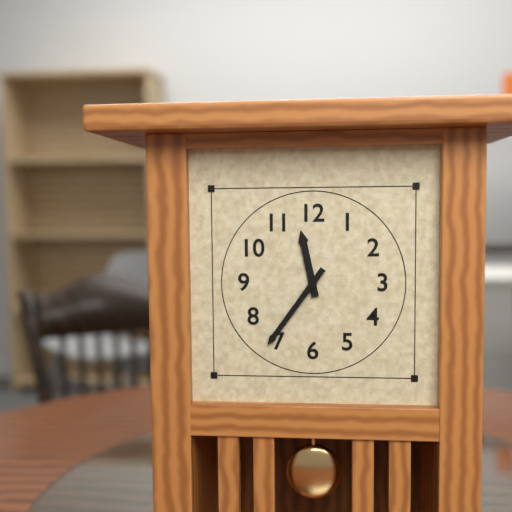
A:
11h36
